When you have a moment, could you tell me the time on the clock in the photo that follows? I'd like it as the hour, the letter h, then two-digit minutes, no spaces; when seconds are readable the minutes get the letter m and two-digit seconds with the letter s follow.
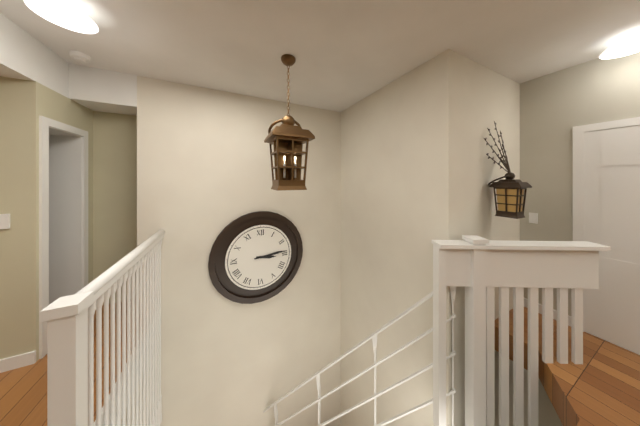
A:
3h14
